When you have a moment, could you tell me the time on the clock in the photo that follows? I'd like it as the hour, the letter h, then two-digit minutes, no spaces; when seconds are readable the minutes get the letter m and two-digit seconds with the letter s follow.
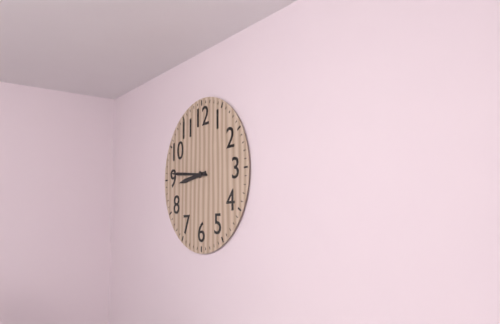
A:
8h46
